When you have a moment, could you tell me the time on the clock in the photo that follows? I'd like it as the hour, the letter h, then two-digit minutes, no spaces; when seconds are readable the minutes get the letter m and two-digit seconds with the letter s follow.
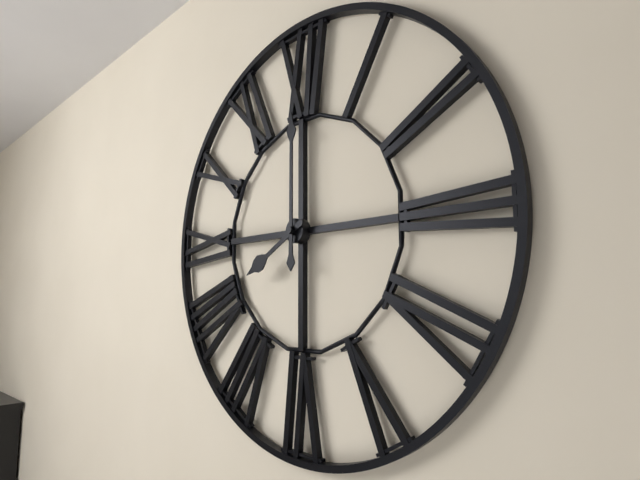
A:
8h00
